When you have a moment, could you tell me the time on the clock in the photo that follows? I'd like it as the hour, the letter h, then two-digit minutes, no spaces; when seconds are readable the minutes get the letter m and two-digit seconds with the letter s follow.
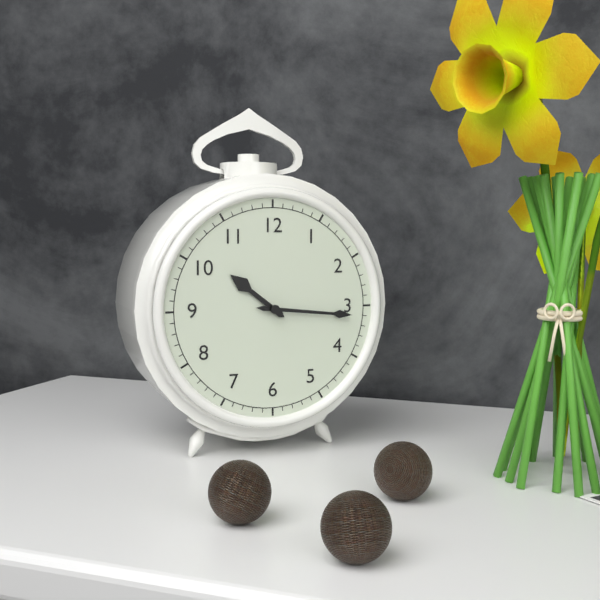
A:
10h16
